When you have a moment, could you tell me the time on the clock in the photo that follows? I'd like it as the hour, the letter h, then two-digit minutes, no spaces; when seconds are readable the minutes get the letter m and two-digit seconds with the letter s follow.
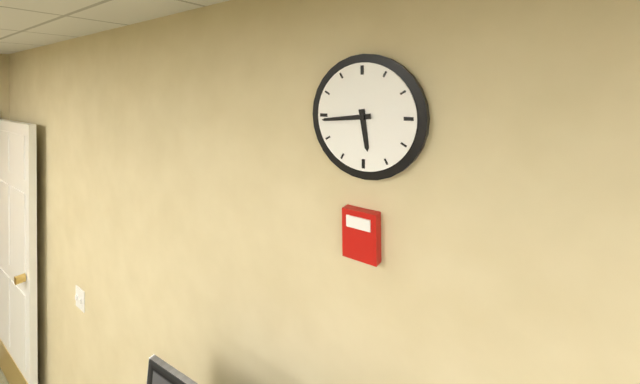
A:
5h44
